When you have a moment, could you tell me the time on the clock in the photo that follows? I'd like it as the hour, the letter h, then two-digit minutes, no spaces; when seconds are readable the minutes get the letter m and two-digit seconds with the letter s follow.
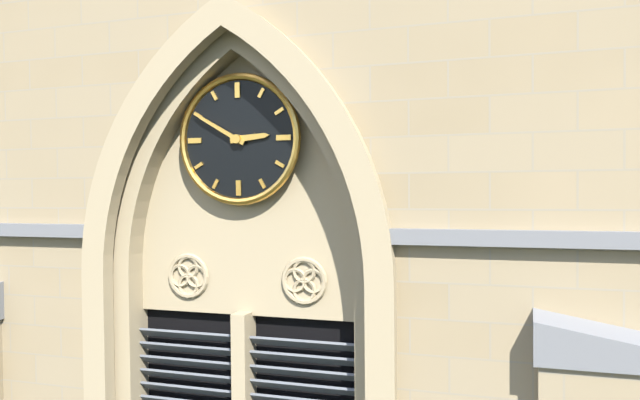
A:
2h50
